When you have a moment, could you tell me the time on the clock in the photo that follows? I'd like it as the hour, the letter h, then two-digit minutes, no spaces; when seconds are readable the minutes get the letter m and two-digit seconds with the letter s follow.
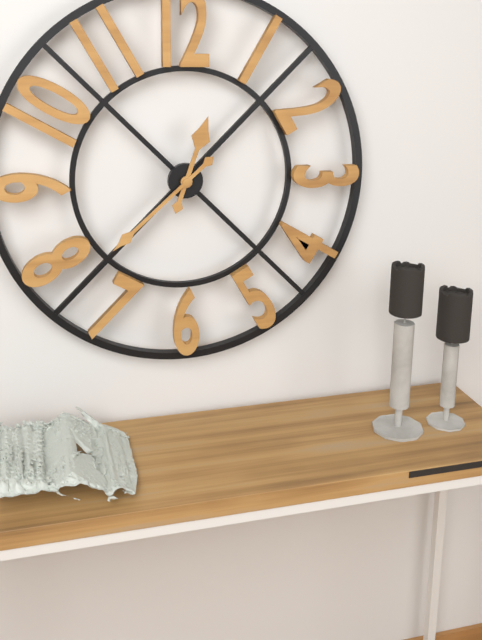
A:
12h38
